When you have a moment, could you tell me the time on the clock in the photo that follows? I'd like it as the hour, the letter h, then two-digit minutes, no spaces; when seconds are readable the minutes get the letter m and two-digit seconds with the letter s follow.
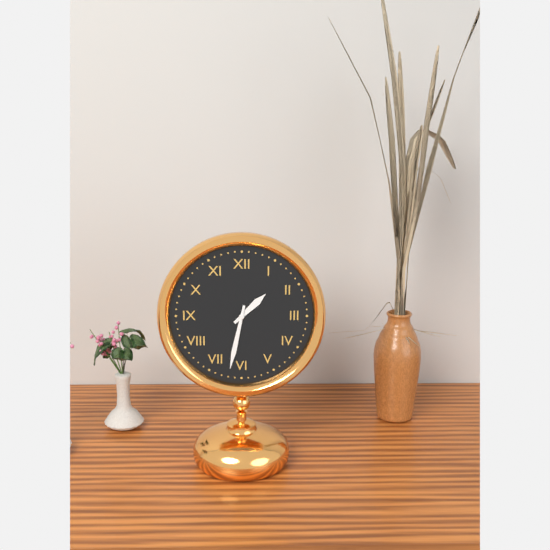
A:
1h32
